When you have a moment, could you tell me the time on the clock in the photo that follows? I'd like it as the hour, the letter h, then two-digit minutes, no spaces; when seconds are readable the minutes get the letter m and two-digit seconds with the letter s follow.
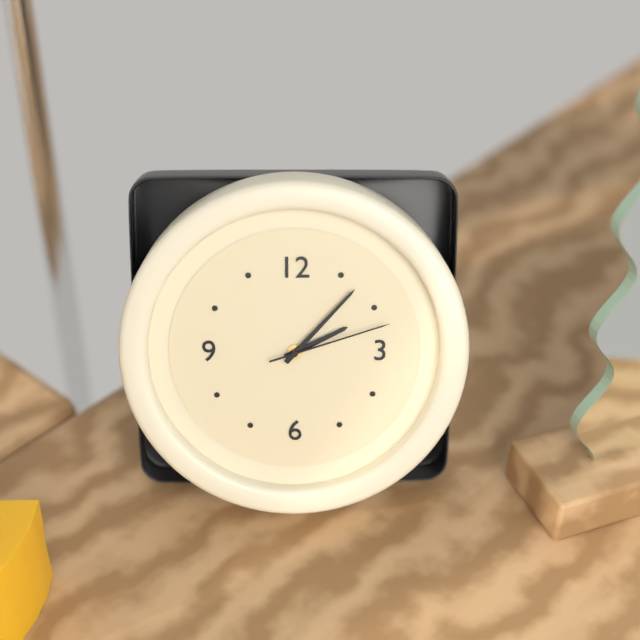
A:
2h07m12s
